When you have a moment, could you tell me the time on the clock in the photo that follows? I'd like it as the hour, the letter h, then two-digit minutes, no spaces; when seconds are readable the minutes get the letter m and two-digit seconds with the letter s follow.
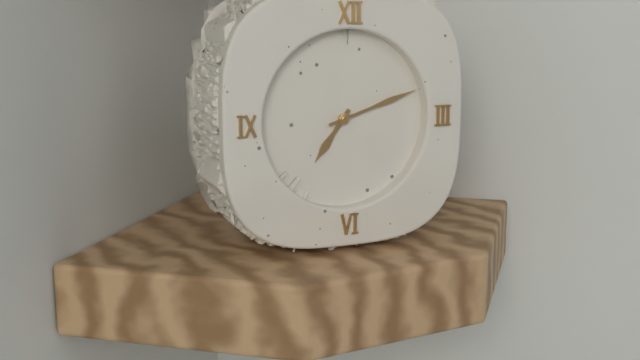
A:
7h12
